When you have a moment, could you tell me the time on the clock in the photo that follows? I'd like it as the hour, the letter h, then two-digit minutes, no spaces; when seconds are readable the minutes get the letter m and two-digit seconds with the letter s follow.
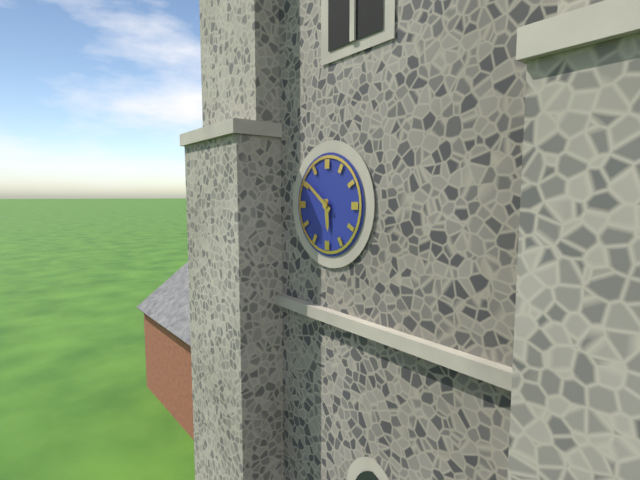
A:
5h51
